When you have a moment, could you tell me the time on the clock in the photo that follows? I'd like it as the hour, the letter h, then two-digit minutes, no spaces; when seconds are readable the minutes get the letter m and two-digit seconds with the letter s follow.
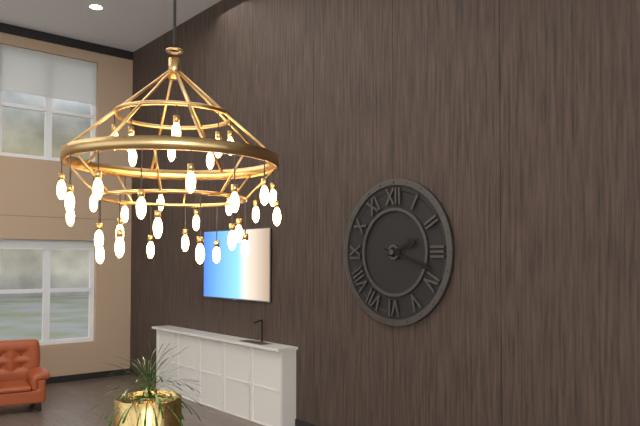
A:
2h18
